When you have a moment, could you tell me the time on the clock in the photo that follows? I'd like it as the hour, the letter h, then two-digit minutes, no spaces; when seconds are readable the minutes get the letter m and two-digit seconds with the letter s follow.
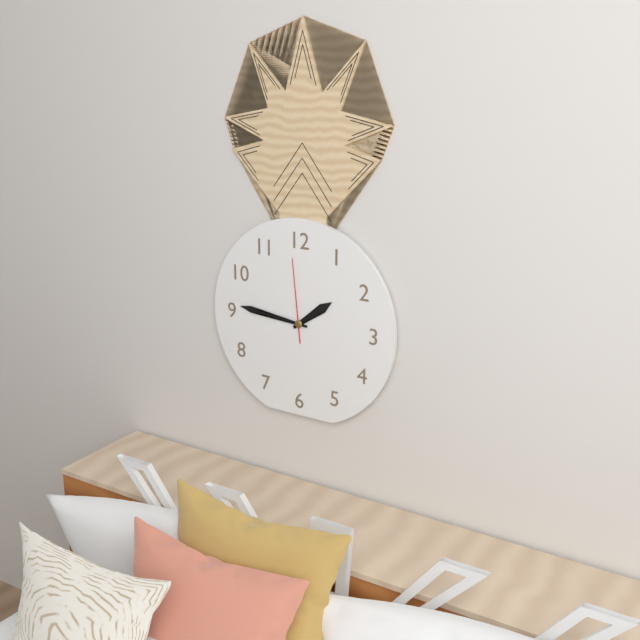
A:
1h46m59s
